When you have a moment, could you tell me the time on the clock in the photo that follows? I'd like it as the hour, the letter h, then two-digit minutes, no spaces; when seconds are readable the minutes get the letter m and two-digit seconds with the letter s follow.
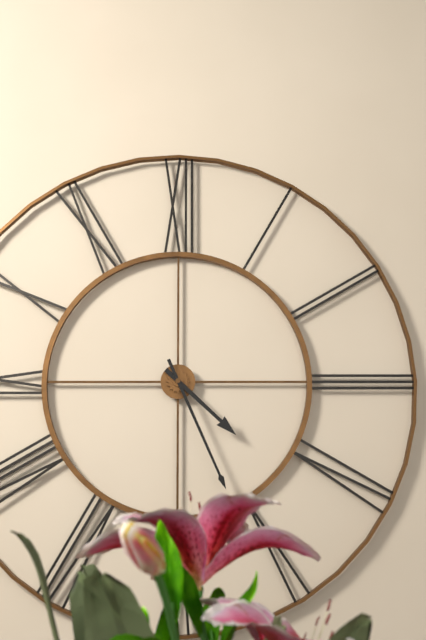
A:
4h26
